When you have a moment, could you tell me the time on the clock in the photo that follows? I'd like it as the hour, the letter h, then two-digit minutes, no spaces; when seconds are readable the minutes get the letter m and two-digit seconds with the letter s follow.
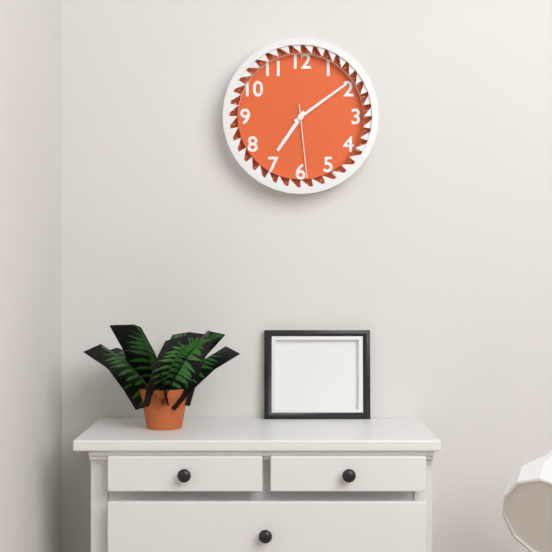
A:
7h09m29s
